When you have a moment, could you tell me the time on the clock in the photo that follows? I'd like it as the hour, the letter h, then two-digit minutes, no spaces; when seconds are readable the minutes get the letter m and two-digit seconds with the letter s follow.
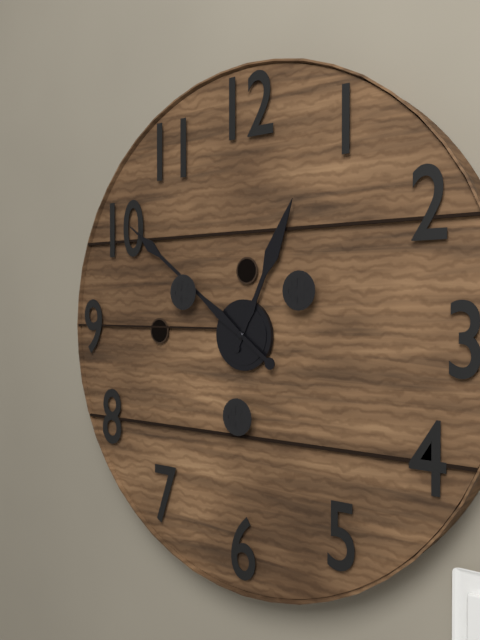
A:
12h51
